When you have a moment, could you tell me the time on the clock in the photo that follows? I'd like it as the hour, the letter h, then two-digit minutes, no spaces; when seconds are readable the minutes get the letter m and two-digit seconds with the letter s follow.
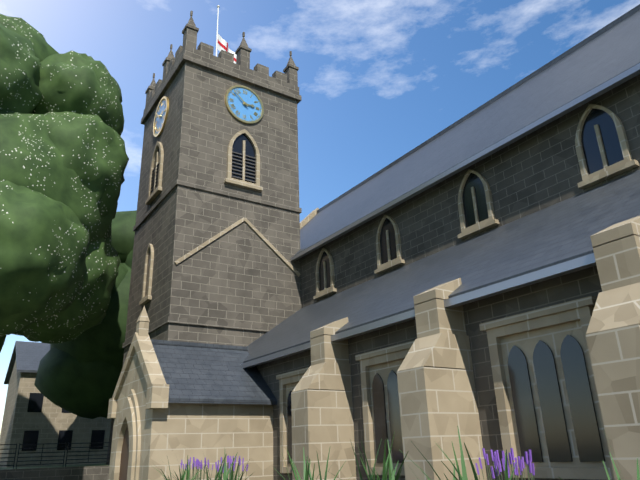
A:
2h52
